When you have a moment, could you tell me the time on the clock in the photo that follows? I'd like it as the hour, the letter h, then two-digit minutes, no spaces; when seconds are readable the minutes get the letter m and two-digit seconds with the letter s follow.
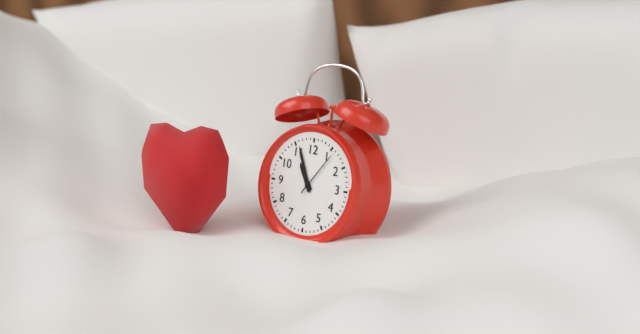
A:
10h56m06s
